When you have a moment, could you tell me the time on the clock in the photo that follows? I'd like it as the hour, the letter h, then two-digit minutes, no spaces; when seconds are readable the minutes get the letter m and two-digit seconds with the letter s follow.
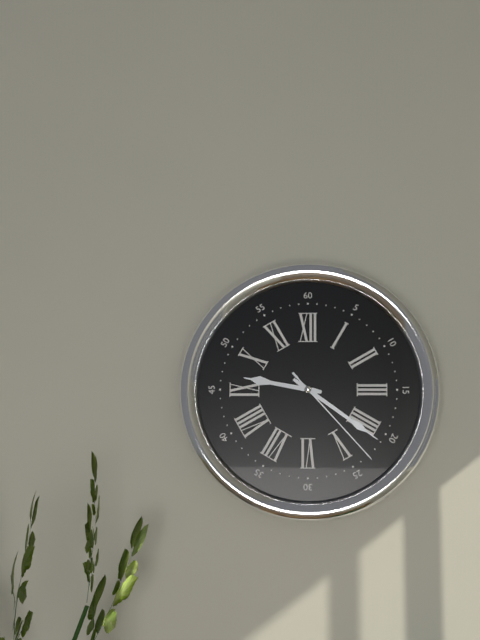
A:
9h21m23s
